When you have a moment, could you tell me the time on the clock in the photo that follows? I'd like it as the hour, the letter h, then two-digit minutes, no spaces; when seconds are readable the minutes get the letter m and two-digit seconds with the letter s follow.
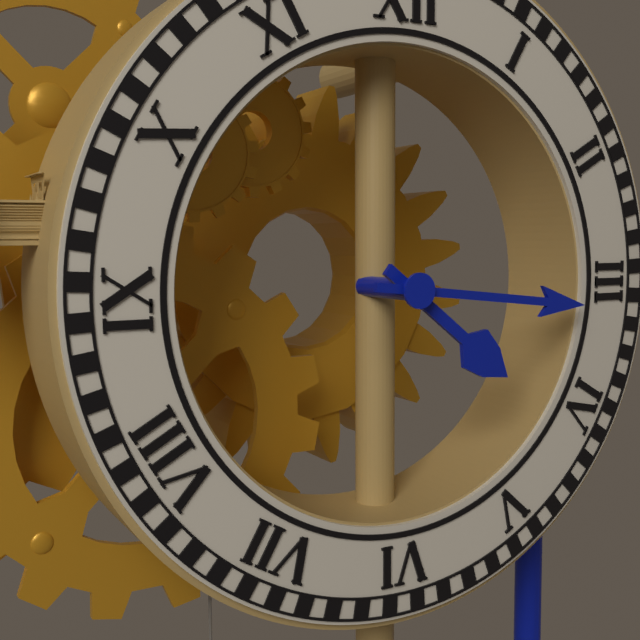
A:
4h16
